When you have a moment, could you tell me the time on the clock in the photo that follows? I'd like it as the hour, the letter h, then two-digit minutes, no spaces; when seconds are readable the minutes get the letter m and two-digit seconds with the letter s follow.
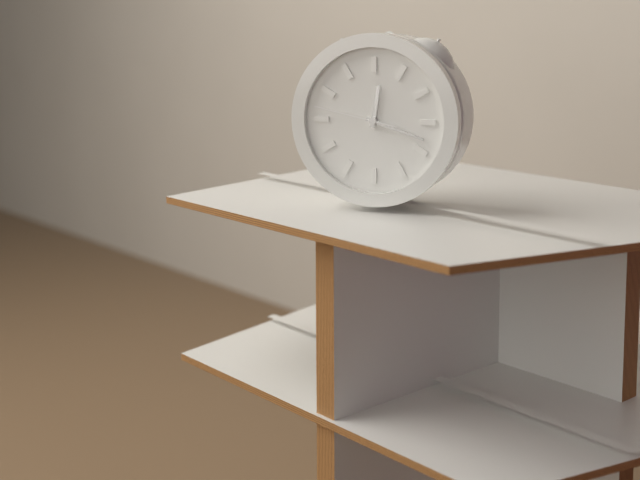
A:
12h18m47s
